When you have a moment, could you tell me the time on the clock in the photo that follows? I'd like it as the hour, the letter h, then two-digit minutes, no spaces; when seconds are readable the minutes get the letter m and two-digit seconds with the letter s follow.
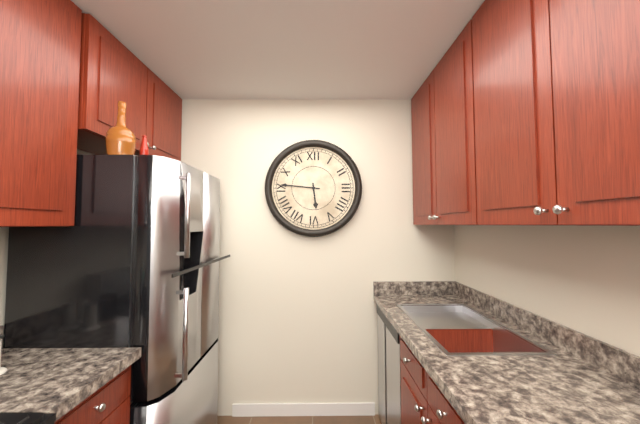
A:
5h46
